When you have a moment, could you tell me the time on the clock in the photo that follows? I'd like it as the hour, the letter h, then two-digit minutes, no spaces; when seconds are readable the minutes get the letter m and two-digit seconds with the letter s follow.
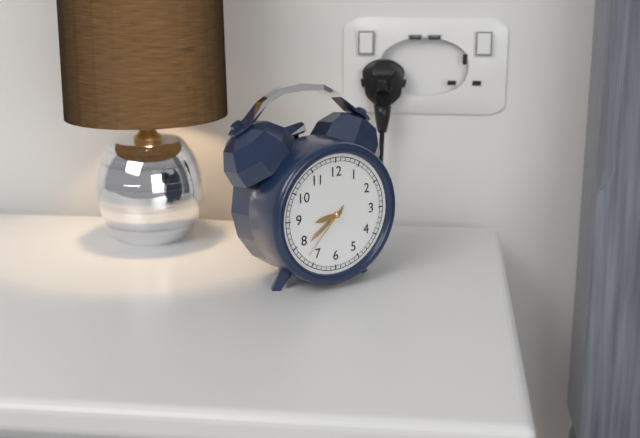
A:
8h39m37s
